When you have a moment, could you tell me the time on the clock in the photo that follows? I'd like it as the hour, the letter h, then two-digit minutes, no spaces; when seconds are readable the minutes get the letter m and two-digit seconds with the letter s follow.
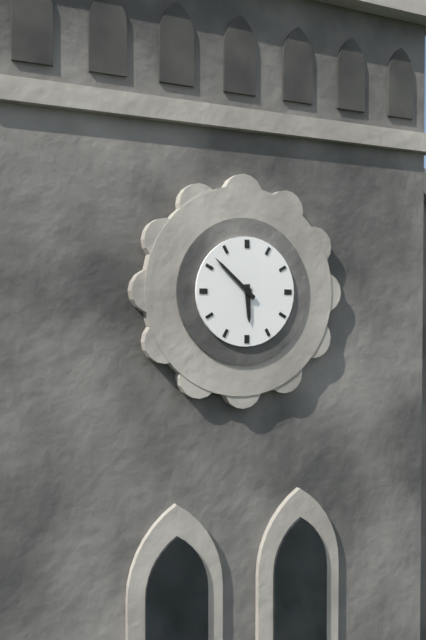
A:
5h52
